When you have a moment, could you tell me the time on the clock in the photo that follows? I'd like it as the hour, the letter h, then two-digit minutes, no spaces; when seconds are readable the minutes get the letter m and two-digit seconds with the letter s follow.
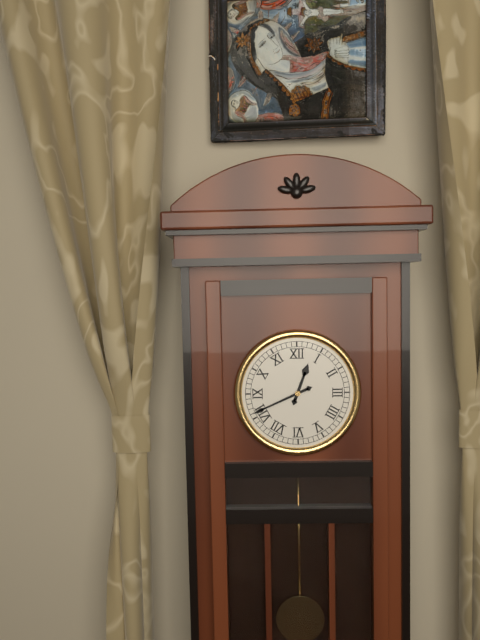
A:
12h41
